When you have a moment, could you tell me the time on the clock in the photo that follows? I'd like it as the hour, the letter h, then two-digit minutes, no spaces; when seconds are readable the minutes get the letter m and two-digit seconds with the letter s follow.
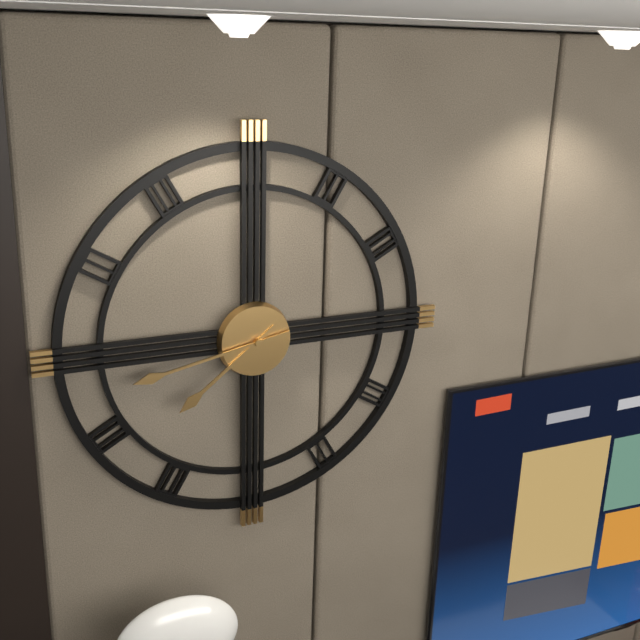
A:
7h43
